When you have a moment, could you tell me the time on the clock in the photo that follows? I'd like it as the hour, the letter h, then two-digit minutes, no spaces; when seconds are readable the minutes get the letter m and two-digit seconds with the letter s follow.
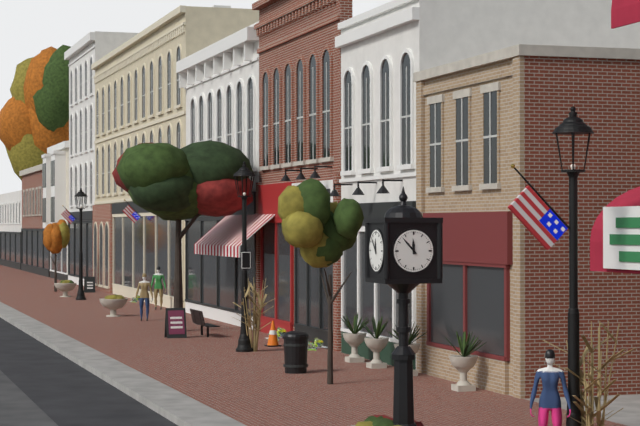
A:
11h53
